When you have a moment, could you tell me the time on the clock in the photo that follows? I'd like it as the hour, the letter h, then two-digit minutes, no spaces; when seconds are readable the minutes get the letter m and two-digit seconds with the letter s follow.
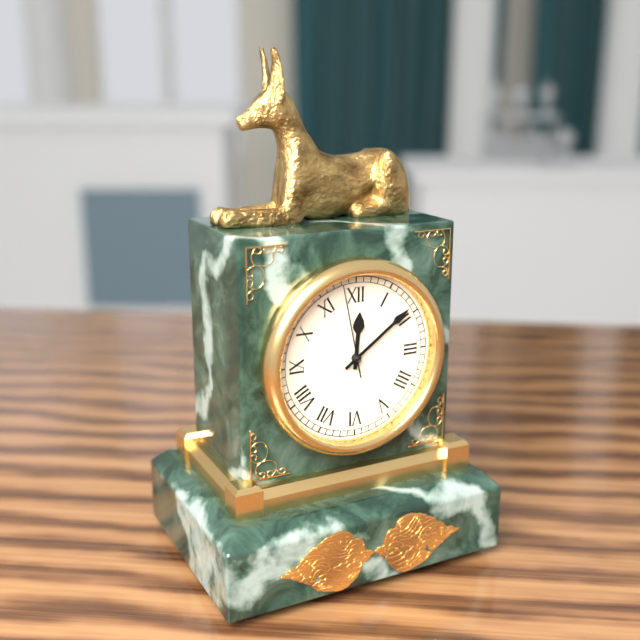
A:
12h09m58s
